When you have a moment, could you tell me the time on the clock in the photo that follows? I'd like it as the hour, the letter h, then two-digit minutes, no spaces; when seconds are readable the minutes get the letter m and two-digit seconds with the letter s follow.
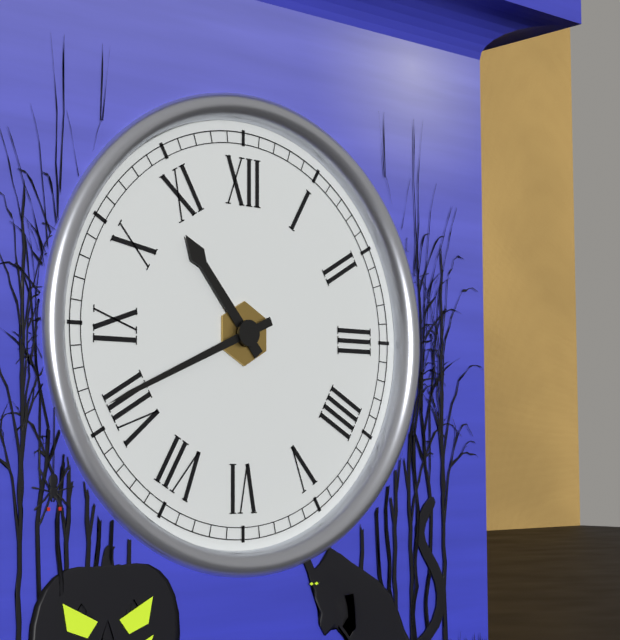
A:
10h41
